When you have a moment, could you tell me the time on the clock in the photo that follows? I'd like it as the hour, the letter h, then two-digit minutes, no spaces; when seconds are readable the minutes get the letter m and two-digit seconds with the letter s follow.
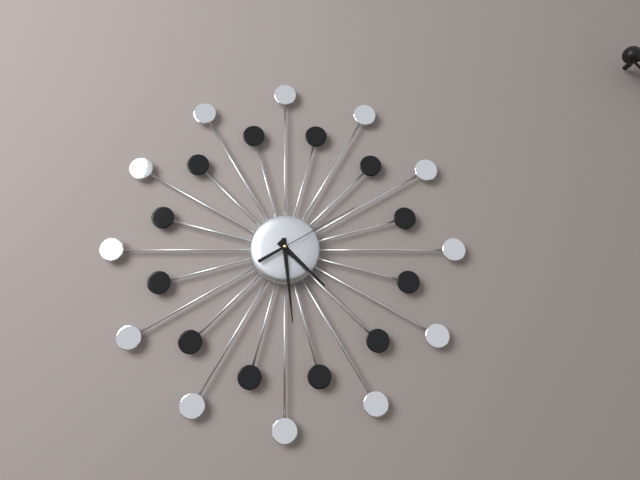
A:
4h29m10s
